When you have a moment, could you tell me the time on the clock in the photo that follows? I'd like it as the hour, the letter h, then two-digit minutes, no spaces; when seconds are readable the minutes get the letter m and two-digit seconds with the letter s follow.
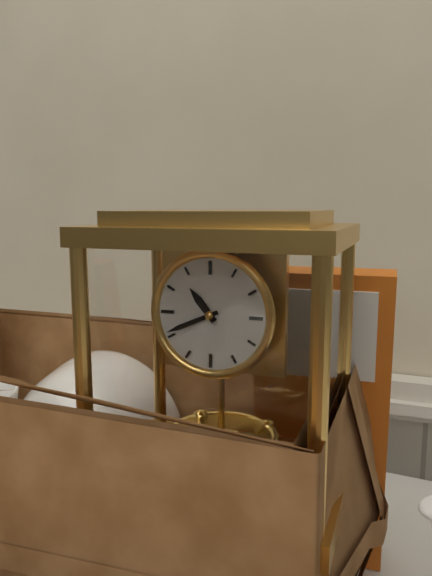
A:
10h41
